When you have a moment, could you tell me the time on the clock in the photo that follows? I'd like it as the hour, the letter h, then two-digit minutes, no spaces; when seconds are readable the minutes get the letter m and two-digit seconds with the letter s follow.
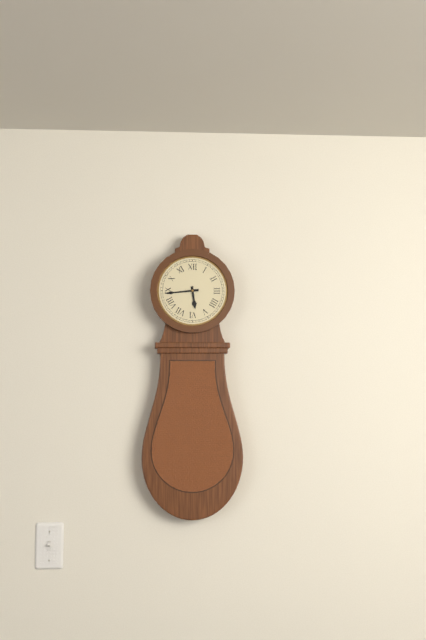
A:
5h44
